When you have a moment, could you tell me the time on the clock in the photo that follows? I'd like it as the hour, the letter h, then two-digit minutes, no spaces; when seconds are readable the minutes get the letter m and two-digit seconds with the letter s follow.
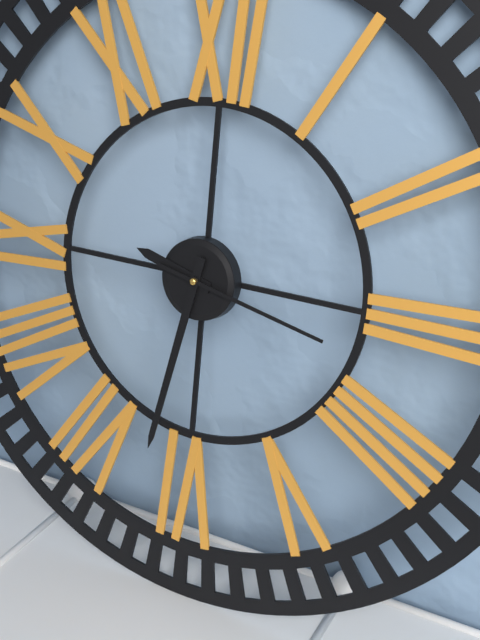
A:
9h32m17s
